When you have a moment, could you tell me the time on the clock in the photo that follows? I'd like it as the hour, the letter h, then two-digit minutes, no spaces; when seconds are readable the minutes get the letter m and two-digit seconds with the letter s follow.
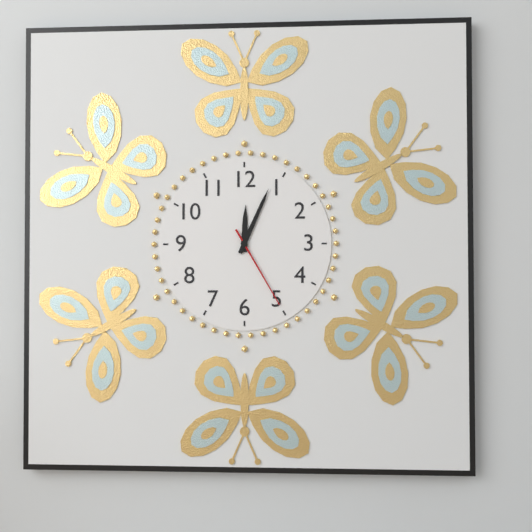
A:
12h04m25s
